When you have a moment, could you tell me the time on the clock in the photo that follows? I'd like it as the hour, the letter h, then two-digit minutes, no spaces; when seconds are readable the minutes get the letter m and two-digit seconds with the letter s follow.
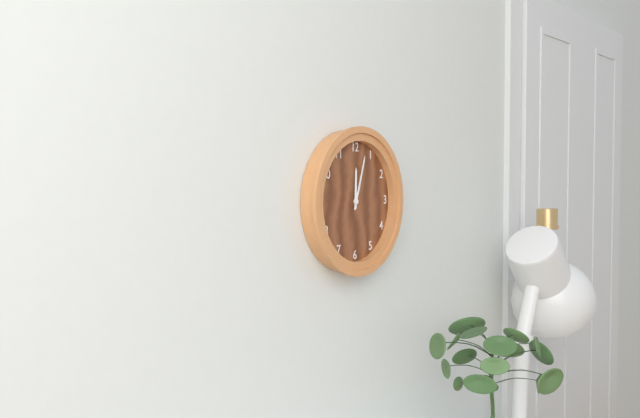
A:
12h03
